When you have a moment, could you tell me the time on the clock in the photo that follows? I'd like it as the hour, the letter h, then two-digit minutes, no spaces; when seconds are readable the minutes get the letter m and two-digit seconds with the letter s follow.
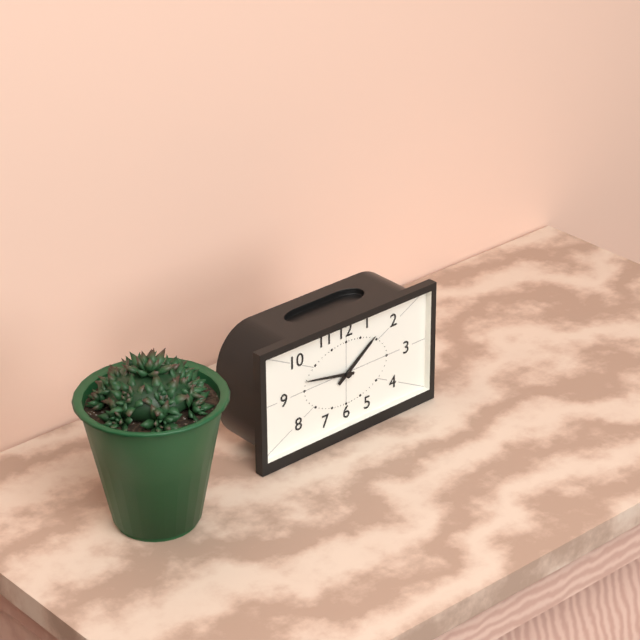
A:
1h47
